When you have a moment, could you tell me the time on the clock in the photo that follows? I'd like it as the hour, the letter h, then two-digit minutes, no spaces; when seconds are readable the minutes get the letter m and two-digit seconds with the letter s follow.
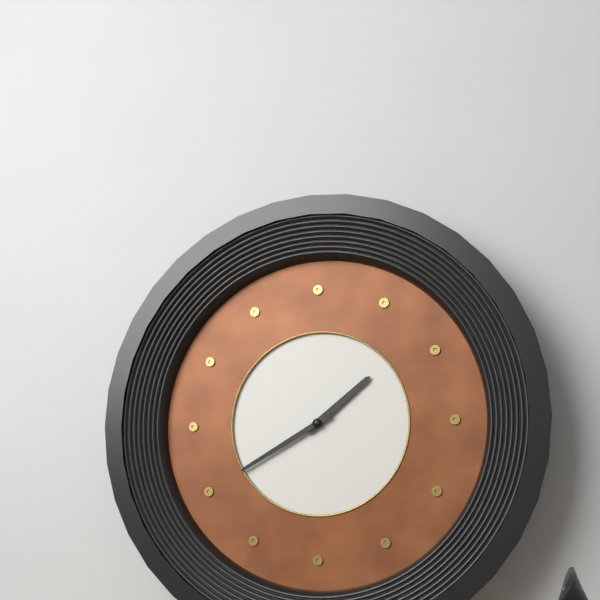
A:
1h40
